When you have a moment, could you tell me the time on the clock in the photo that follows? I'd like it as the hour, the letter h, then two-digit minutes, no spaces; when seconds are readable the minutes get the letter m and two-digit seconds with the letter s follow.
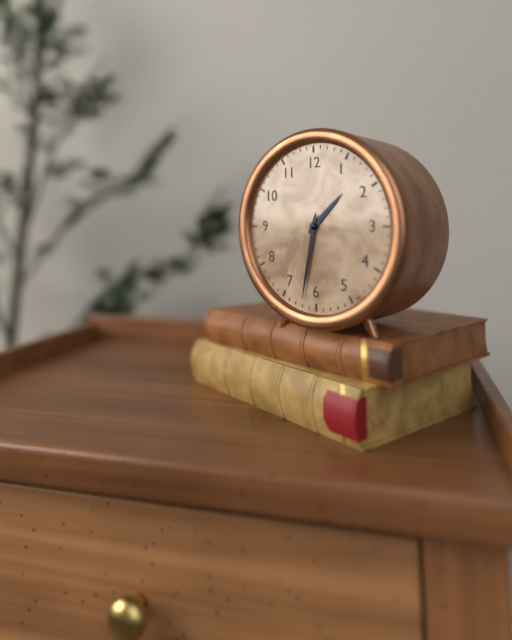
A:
1h32
